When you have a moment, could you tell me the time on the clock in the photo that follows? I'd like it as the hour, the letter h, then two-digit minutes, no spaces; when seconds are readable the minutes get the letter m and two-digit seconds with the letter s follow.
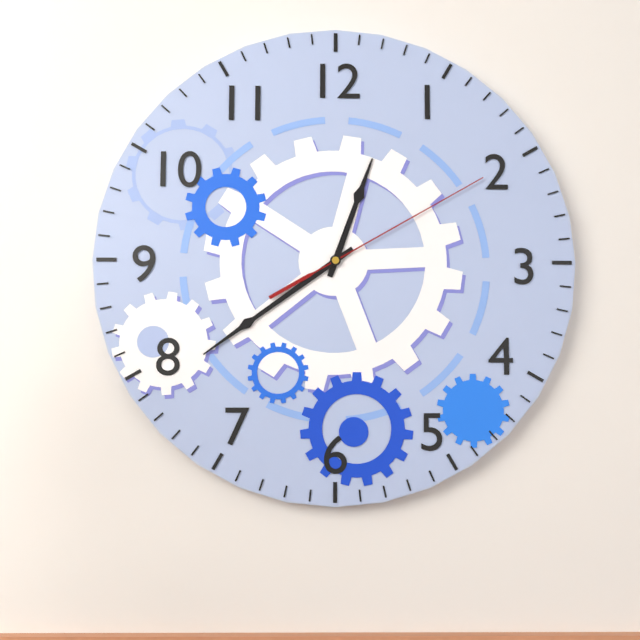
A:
12h39m10s
